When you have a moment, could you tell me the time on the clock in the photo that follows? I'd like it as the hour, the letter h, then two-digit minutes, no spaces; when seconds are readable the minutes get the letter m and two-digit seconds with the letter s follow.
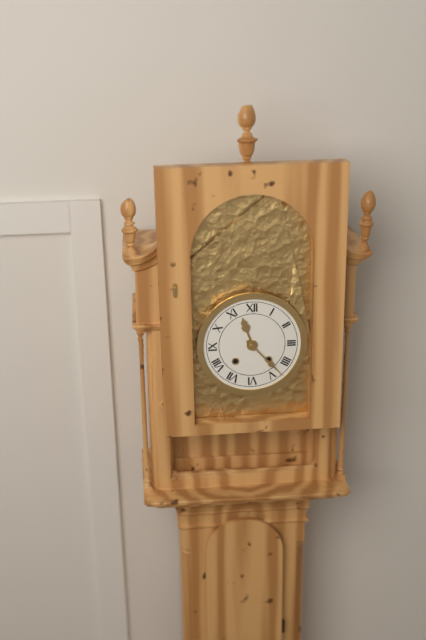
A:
11h23
